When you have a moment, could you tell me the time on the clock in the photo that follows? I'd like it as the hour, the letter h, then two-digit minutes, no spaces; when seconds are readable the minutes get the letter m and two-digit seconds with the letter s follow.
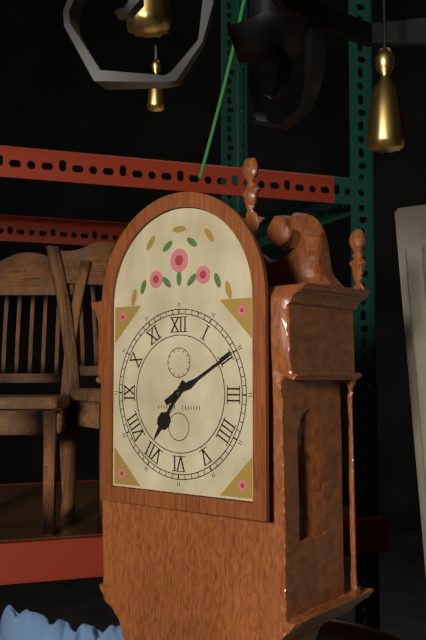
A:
7h10
